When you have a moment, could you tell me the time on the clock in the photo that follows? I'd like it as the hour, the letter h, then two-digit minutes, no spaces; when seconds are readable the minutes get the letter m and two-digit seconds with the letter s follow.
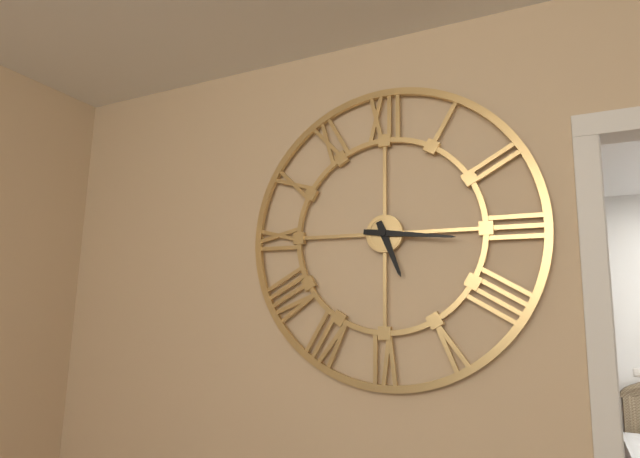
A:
5h16
